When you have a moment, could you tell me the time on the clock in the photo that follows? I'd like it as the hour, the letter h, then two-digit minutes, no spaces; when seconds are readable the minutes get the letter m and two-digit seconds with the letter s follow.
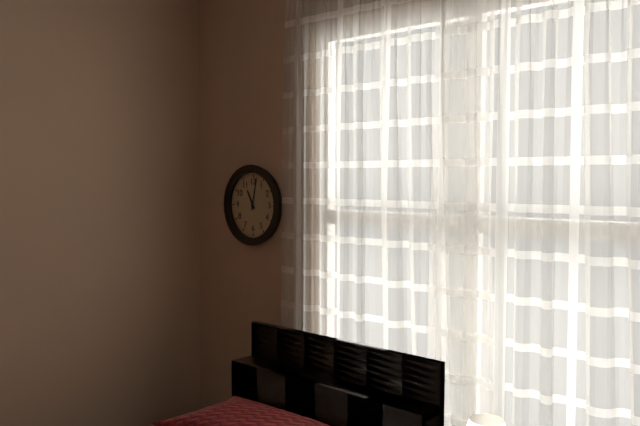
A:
11h02
